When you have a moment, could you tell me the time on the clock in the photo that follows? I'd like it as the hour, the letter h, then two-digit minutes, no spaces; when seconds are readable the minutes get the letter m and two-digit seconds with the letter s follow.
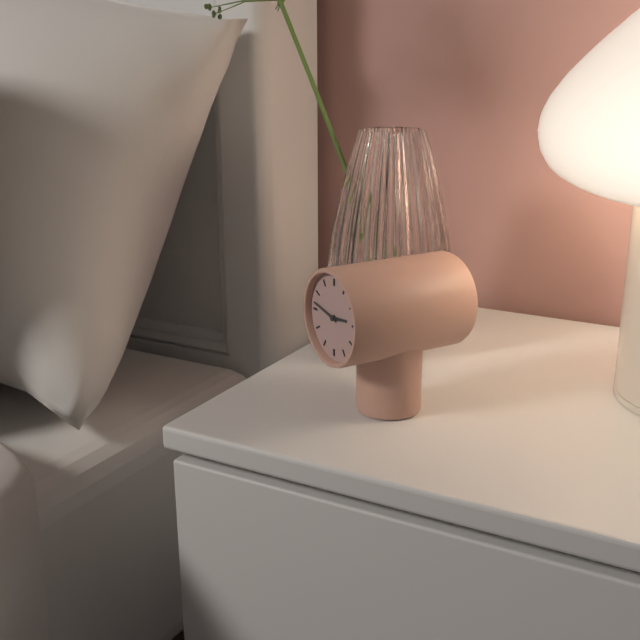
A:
2h47
